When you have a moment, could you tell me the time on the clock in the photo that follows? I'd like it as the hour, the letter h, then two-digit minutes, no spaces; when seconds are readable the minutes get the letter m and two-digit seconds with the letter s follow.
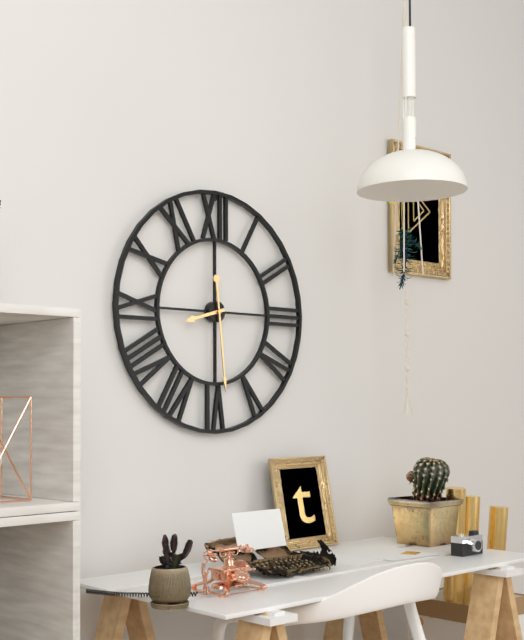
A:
8h29
